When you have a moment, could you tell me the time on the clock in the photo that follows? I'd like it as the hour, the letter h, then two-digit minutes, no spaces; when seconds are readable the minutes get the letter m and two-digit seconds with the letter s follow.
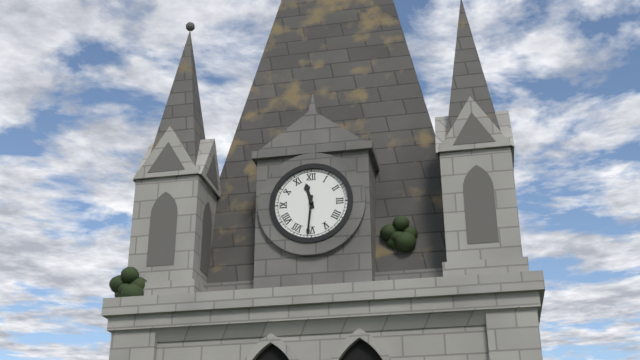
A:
11h31
